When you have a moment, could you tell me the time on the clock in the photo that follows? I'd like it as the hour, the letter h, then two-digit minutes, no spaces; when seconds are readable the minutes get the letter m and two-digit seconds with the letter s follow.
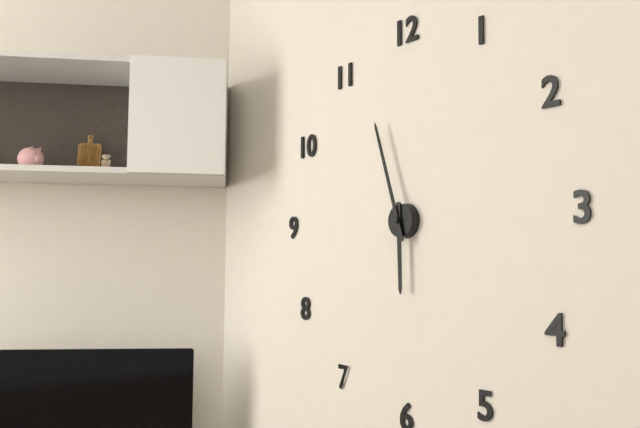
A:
5h57
